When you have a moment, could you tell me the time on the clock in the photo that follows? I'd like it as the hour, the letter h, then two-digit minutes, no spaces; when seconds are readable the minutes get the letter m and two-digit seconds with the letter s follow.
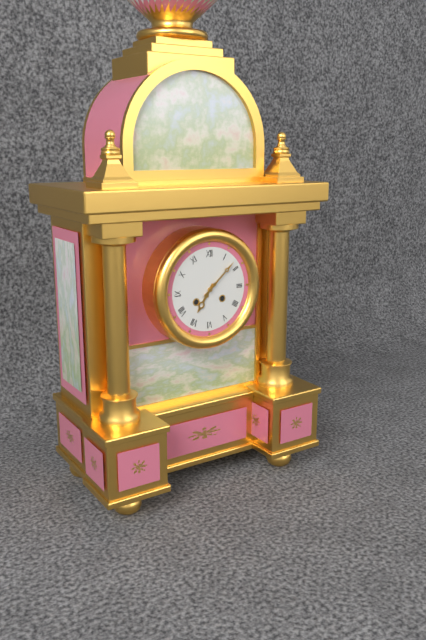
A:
7h08
